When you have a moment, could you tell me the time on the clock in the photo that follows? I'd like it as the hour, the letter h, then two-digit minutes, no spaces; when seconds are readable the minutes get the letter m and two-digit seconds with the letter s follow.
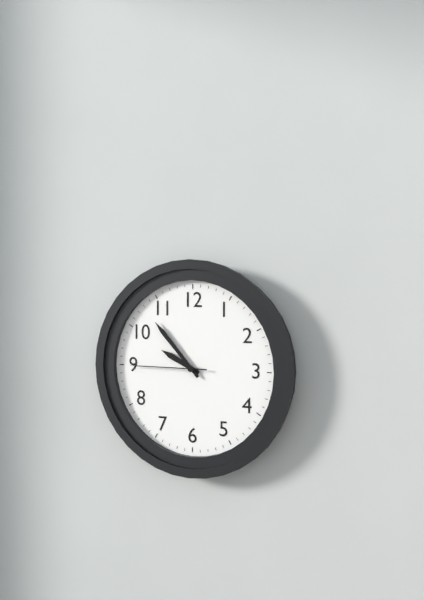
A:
9h53m45s
